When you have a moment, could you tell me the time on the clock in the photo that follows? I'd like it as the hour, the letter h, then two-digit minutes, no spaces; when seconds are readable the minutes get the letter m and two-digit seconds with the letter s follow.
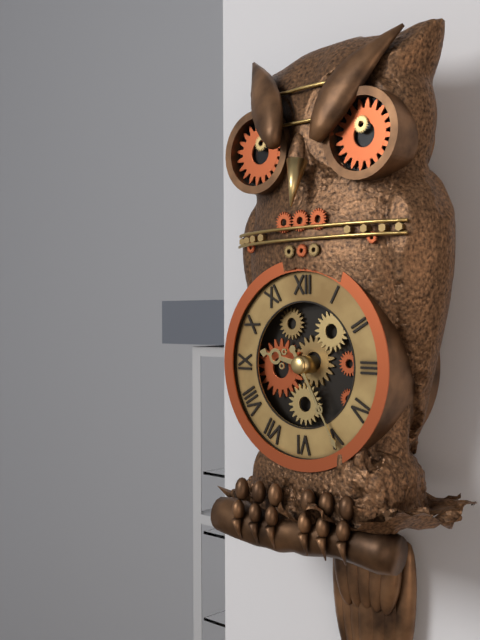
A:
9h25
